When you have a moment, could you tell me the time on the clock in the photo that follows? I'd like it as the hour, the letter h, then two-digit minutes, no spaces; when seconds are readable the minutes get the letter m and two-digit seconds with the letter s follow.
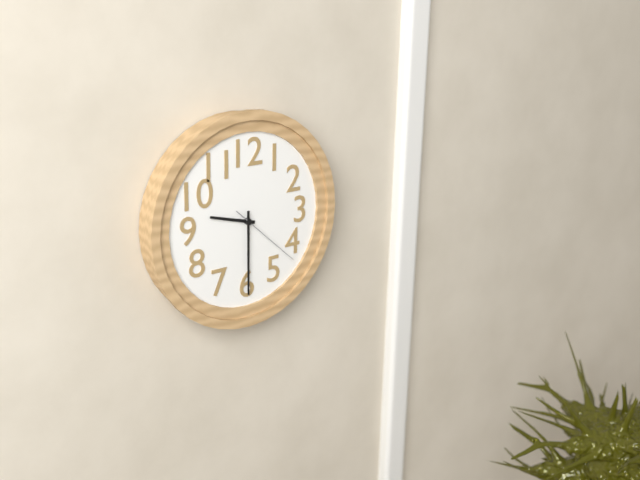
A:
9h30m22s
